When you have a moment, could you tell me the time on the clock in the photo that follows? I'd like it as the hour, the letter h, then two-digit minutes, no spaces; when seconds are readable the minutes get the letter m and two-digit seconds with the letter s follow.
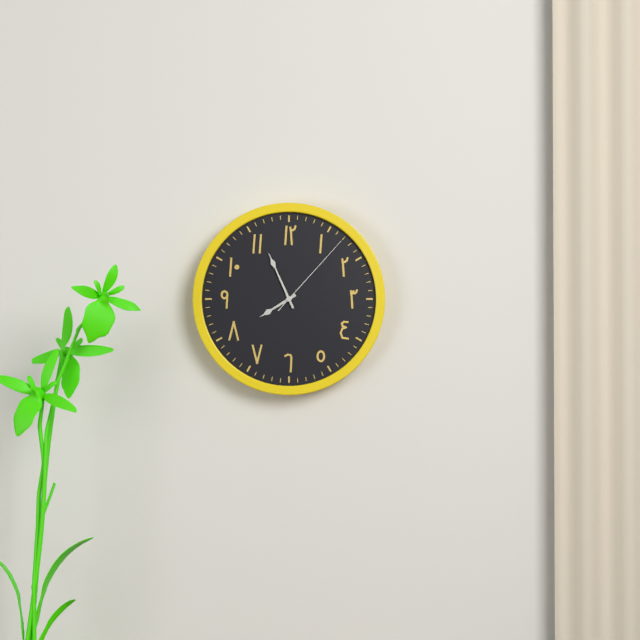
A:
7h56m07s
